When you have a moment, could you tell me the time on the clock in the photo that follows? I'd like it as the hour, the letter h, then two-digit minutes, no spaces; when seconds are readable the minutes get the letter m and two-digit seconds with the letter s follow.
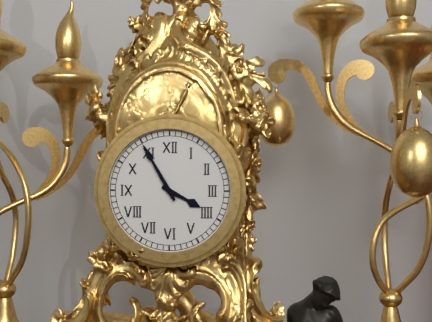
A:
3h55
